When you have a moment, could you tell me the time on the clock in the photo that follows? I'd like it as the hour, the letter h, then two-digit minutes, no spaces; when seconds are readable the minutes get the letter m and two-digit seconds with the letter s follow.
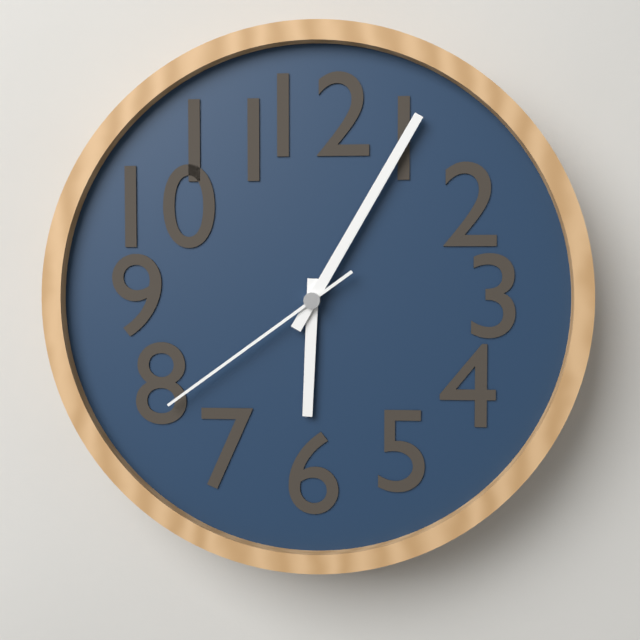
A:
6h05m39s
